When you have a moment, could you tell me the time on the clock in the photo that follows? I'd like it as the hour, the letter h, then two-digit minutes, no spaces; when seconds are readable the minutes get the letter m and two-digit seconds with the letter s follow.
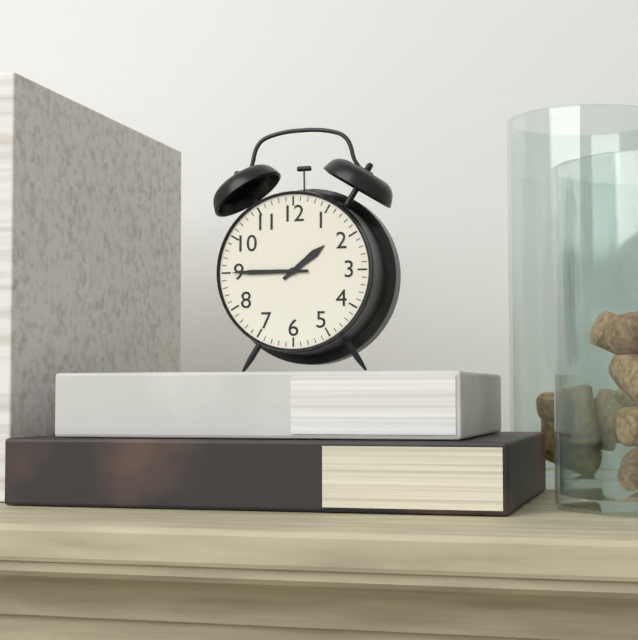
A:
1h45
